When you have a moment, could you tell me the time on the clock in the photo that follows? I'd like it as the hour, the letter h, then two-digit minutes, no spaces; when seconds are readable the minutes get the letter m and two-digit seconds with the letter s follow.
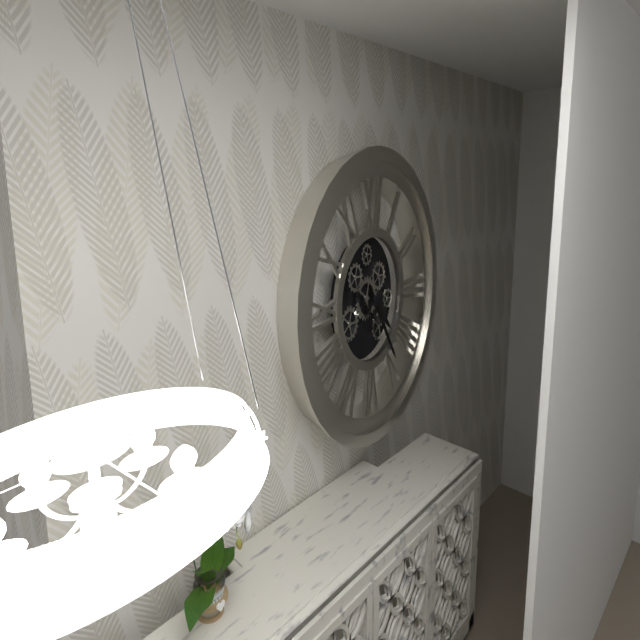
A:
4h24
